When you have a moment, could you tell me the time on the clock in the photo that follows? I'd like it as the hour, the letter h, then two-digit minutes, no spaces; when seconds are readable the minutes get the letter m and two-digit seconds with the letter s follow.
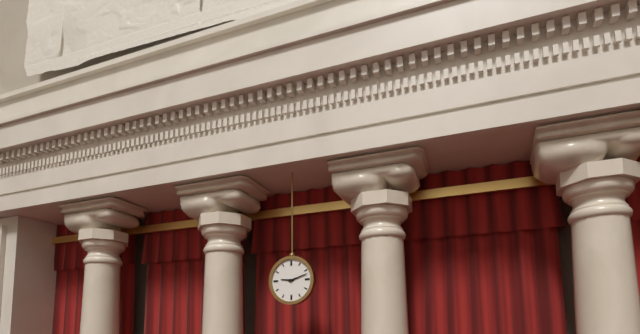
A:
9h12
